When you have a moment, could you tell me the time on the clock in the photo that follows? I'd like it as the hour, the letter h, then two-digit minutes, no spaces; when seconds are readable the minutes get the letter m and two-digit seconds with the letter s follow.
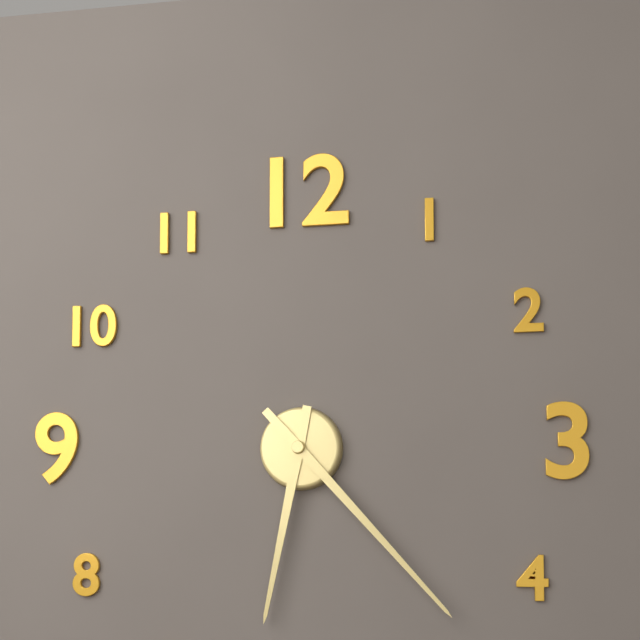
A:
6h23
